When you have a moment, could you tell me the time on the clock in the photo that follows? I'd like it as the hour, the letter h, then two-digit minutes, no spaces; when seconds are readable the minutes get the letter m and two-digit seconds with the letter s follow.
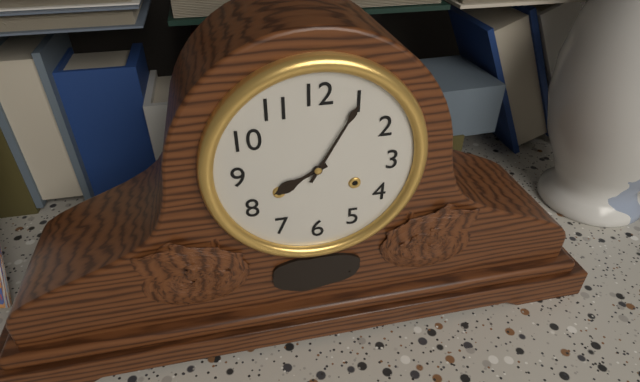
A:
8h05
